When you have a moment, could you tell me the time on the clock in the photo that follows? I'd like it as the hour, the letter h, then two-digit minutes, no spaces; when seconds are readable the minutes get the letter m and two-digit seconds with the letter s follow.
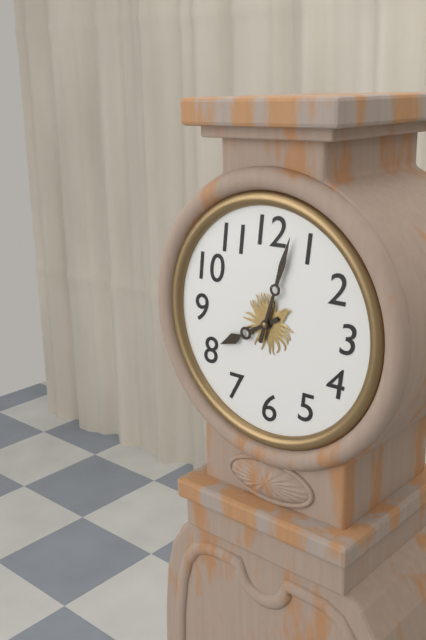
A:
8h03
